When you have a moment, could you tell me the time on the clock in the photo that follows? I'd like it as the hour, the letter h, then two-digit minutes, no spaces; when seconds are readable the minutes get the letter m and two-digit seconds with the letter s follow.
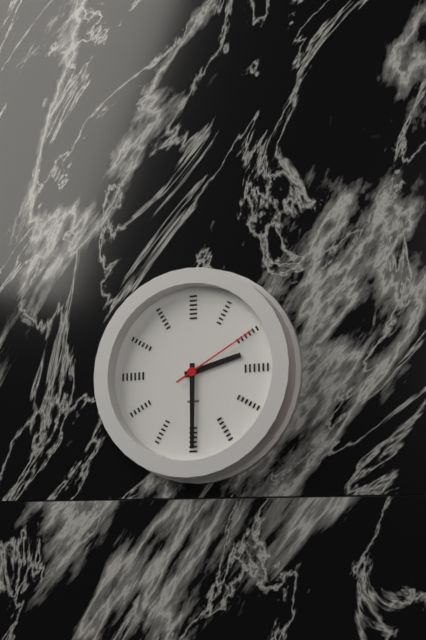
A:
2h30m10s
